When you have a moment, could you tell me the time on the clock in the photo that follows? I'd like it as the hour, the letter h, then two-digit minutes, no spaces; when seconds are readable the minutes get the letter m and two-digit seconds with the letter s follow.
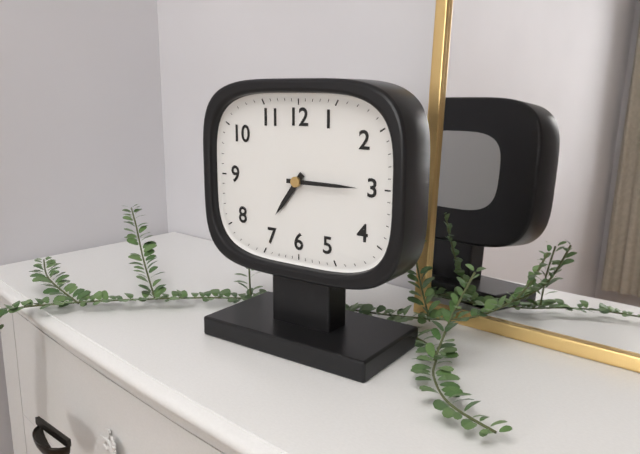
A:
7h15
